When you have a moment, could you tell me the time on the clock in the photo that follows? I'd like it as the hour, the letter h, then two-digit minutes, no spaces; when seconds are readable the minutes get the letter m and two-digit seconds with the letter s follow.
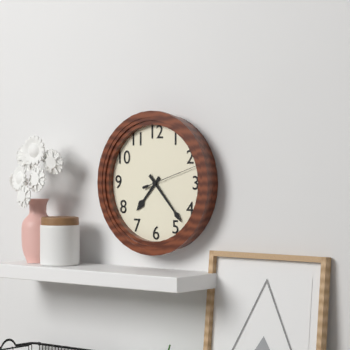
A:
7h23m12s
